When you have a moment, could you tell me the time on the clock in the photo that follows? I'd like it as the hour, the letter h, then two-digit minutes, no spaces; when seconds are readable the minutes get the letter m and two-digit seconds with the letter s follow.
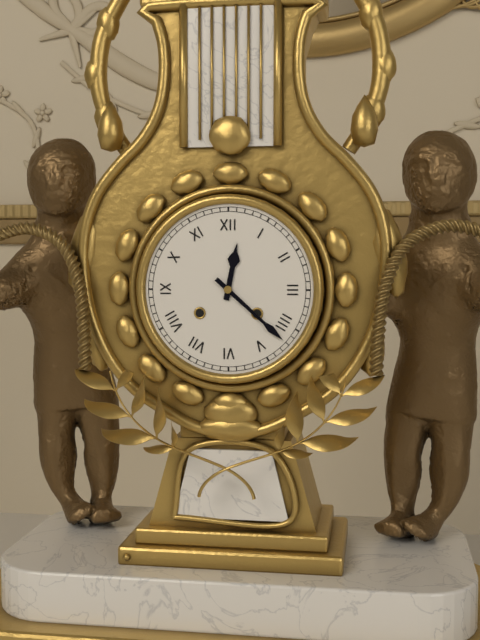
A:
12h22
